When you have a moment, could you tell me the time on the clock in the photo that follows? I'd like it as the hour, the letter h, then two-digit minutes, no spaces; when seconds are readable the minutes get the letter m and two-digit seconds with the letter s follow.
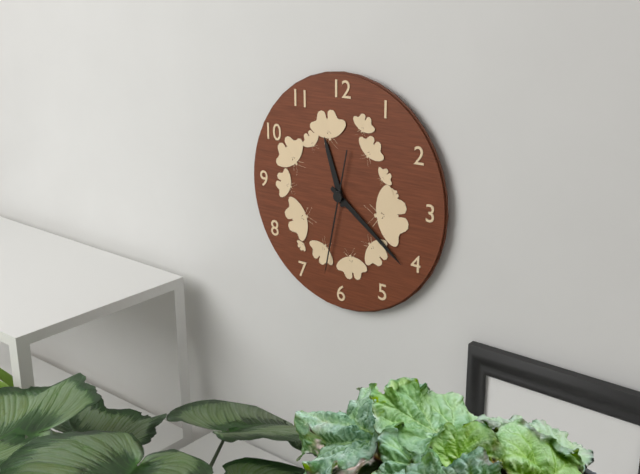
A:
11h21m32s
